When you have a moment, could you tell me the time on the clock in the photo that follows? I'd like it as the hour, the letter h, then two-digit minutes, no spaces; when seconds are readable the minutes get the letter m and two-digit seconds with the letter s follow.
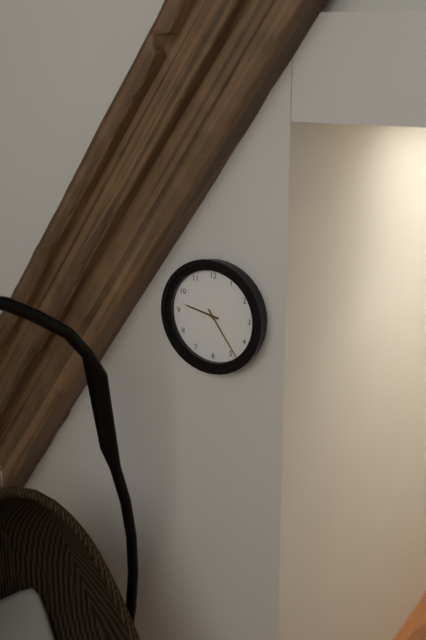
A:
9h24
